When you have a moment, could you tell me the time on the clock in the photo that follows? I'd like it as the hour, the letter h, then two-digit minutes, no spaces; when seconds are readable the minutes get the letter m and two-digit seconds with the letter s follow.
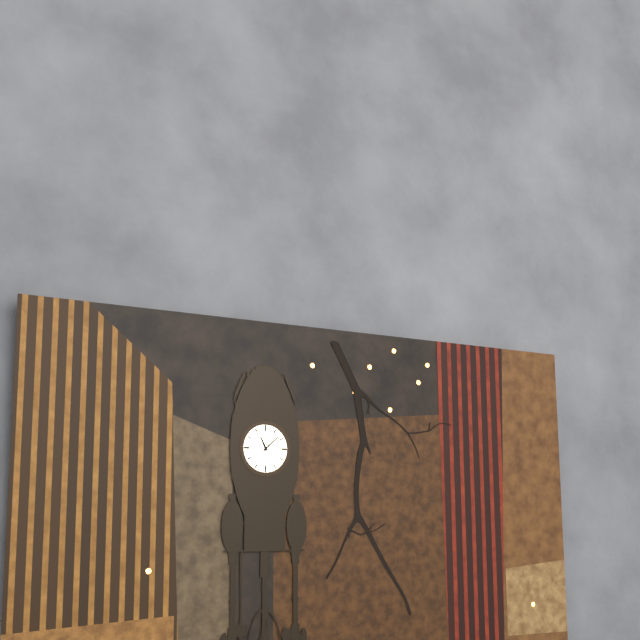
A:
11h08
